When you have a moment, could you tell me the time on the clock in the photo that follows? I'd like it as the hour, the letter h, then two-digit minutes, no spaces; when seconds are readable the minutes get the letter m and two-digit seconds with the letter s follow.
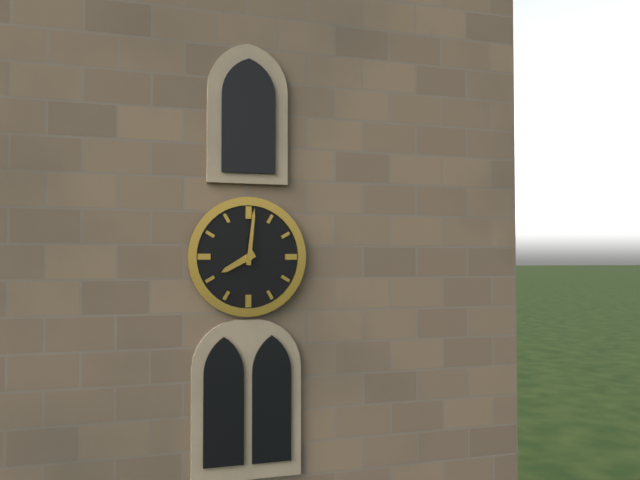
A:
8h01
